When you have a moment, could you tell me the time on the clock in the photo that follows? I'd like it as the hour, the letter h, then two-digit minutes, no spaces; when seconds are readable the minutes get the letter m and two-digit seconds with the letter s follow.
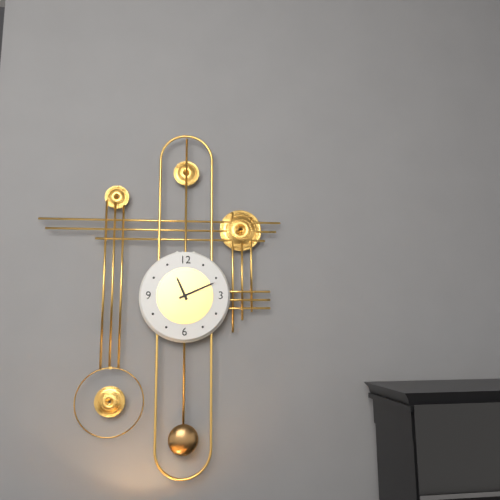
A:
11h11
